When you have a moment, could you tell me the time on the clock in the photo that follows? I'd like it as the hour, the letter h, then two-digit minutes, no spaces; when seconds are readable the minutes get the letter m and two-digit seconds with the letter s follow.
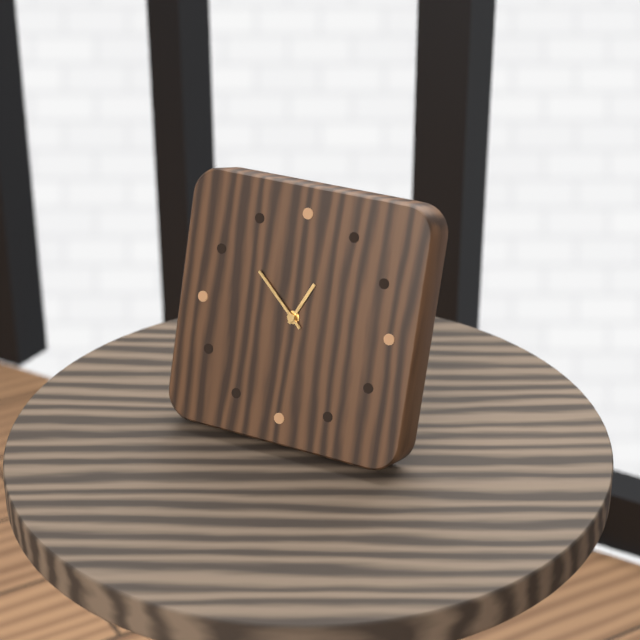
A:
12h52
